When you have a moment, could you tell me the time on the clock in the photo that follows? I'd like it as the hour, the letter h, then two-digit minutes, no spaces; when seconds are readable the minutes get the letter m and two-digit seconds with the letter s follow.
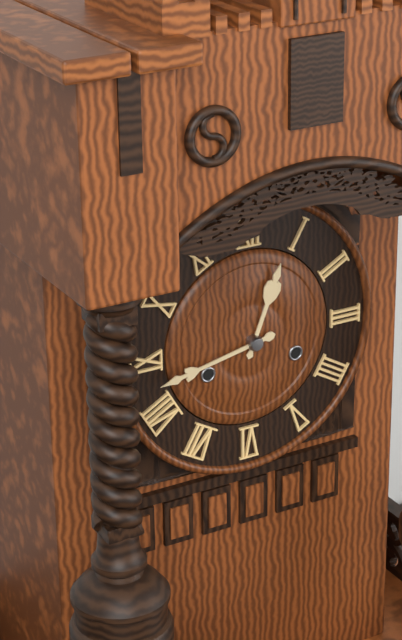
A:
12h43
